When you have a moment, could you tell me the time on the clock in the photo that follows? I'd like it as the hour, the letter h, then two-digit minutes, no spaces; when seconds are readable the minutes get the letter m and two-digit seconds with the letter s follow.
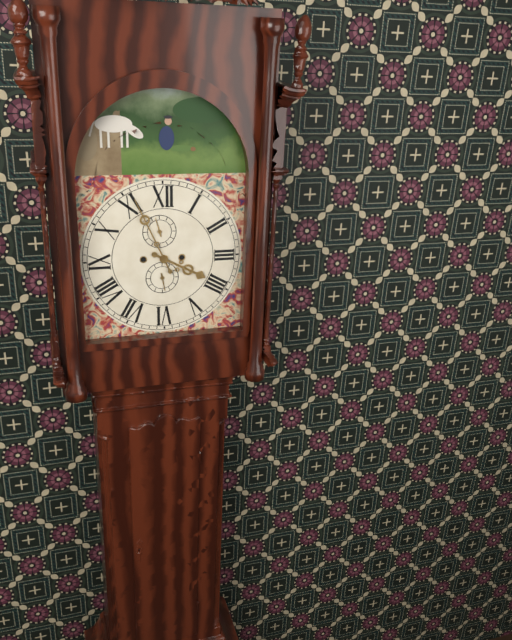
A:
3h56
